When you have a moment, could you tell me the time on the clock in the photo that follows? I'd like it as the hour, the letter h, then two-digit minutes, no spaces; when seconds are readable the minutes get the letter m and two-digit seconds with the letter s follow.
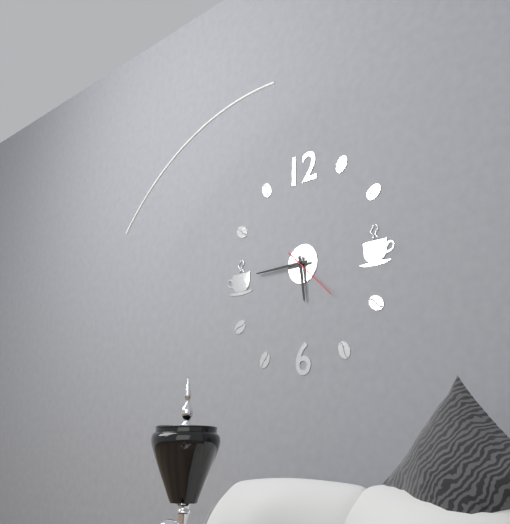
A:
5h45m22s
